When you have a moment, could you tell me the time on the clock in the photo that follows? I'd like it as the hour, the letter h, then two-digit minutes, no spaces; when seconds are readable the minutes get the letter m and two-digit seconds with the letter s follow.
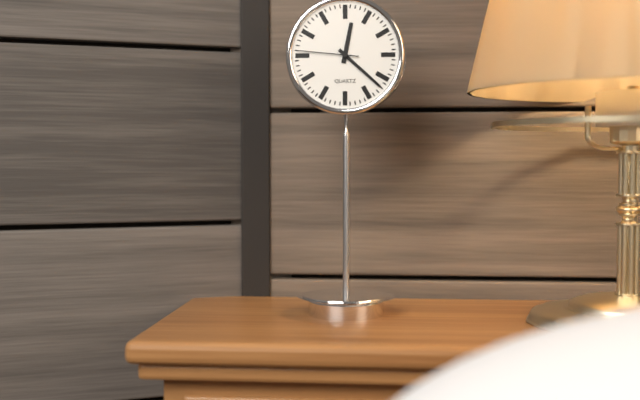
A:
12h22m46s
